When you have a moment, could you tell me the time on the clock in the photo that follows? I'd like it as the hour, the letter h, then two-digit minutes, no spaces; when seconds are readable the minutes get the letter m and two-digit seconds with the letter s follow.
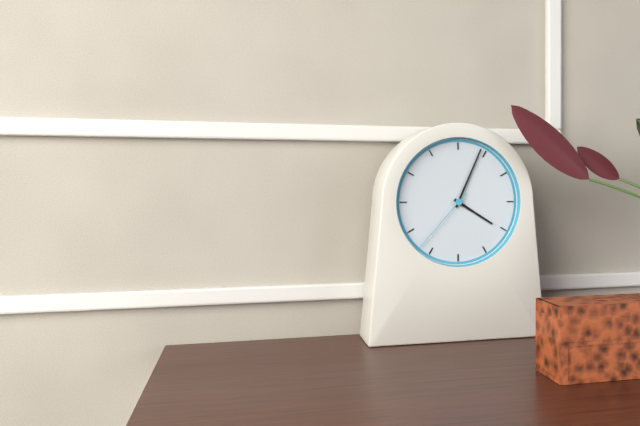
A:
4h04m37s
